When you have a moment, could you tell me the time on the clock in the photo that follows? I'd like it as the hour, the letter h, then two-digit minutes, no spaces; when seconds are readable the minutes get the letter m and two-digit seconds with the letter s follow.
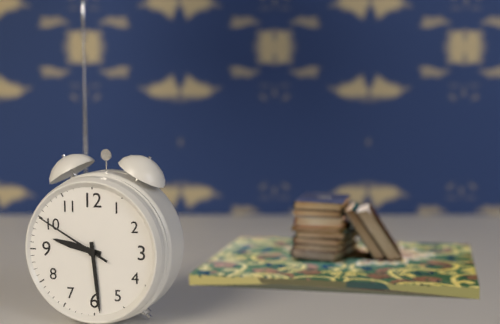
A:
9h29m50s
